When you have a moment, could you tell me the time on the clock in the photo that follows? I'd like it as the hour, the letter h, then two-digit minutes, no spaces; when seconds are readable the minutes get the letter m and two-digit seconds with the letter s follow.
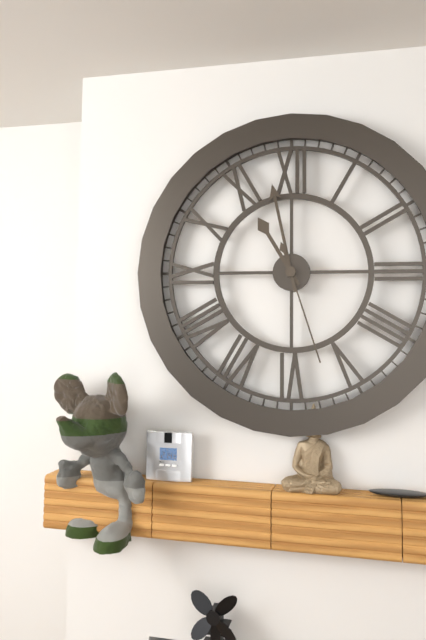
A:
10h58m27s
